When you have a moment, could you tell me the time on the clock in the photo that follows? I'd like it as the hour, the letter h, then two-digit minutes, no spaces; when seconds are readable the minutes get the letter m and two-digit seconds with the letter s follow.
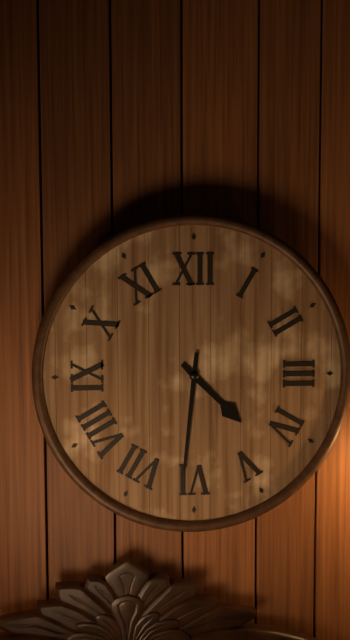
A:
4h31
